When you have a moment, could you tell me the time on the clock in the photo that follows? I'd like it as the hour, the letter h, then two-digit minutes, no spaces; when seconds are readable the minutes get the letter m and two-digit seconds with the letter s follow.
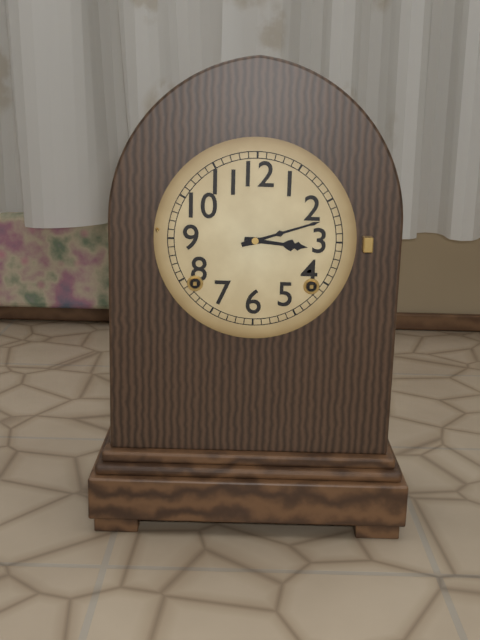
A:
3h12
